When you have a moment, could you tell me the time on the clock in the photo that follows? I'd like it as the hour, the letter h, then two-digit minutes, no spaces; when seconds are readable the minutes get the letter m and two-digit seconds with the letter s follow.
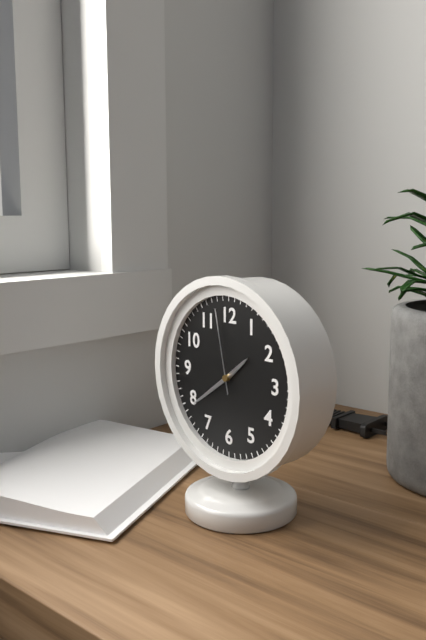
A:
1h39m58s
